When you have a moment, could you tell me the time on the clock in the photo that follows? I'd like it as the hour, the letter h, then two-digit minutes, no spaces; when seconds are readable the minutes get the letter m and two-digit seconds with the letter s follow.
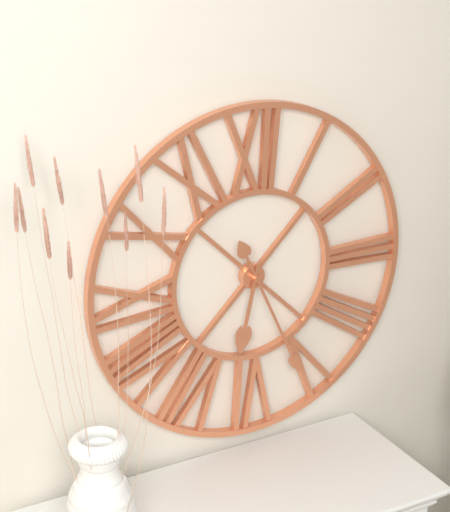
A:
6h26
